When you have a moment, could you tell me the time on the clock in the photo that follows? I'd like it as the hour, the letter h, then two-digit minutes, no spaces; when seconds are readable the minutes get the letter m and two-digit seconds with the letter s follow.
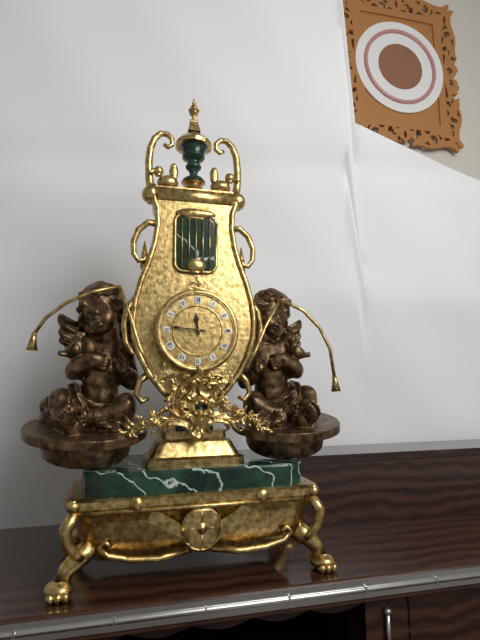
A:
11h46
